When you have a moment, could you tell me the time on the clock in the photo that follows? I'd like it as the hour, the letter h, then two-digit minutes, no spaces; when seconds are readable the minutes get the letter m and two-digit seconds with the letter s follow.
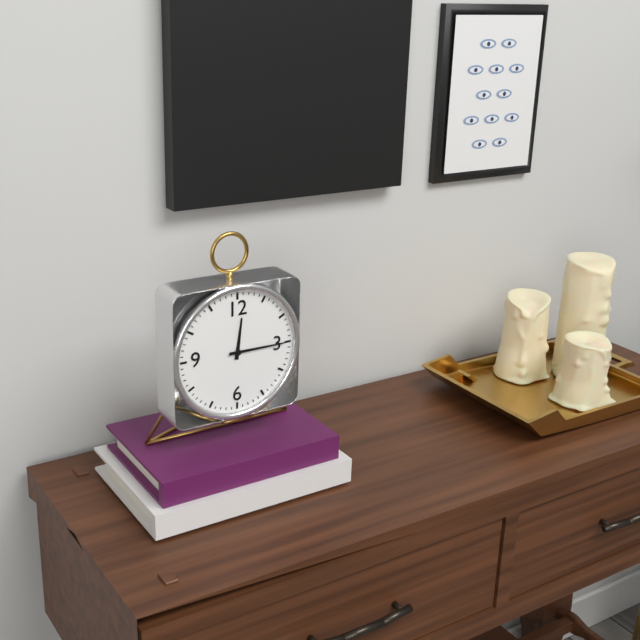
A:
12h15
